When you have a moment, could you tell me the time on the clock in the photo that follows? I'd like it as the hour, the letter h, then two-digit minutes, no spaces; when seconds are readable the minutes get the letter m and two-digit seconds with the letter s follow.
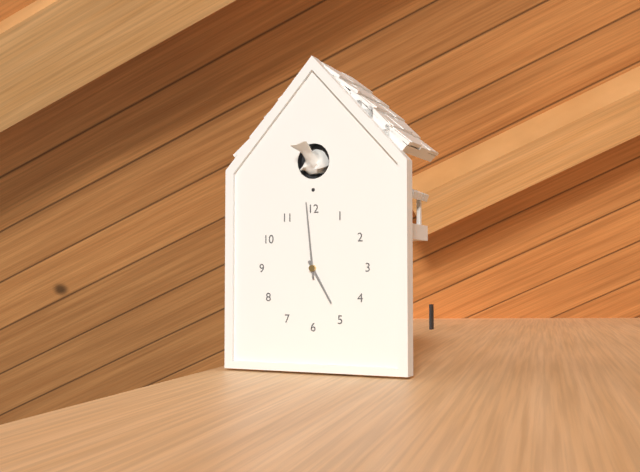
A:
4h59
